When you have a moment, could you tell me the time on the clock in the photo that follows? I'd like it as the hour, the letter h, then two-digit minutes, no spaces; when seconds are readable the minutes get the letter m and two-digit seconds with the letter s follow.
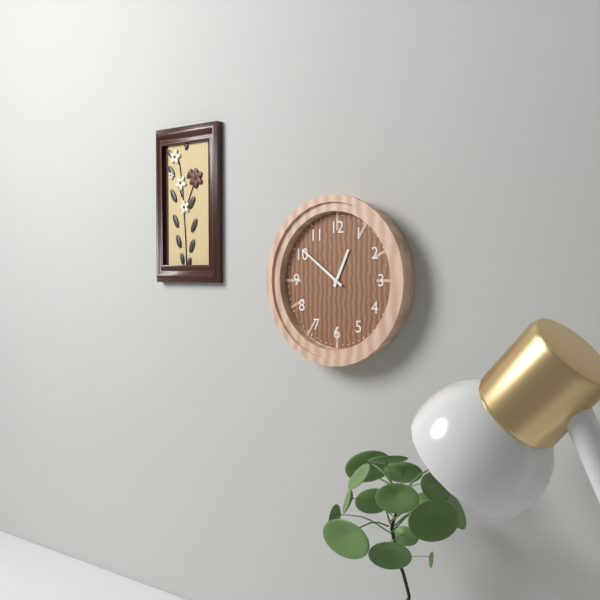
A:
12h51
